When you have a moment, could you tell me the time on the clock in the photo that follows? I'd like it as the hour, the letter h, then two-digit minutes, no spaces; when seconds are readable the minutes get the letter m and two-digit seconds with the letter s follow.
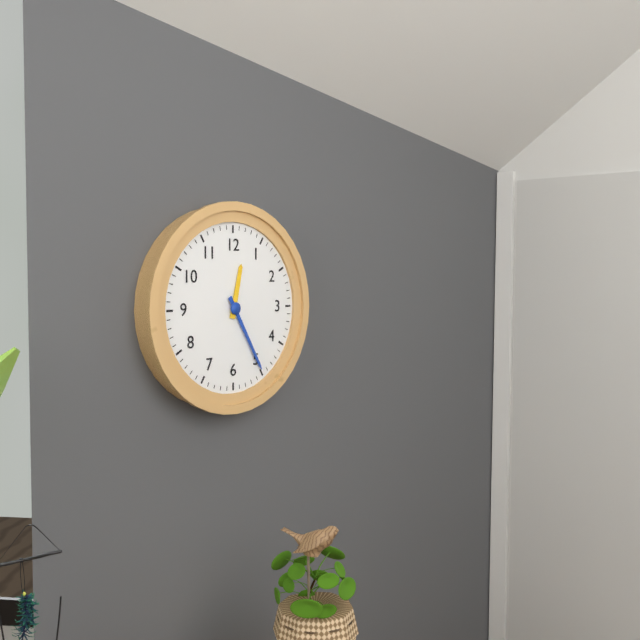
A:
12h25
